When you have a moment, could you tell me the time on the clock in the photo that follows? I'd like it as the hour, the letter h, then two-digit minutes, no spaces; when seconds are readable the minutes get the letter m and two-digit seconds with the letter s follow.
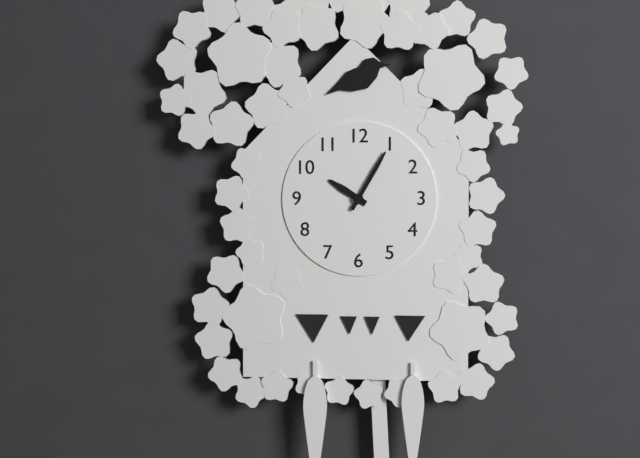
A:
10h05
